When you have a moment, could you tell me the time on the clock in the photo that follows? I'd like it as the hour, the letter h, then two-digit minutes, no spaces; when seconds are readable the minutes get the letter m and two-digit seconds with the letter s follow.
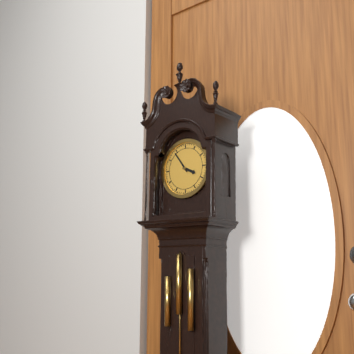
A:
3h54
